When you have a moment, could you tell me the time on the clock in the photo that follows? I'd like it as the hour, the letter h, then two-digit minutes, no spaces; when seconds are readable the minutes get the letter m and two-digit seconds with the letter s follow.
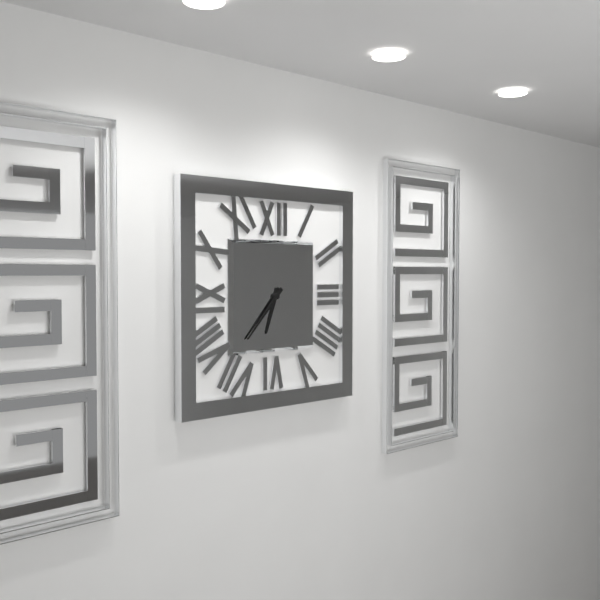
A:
6h37
